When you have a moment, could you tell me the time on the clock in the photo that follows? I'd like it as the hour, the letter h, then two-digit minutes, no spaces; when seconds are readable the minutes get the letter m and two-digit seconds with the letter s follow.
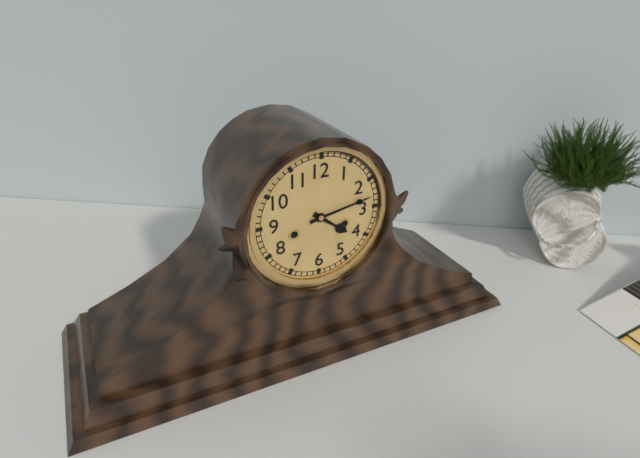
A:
4h13
